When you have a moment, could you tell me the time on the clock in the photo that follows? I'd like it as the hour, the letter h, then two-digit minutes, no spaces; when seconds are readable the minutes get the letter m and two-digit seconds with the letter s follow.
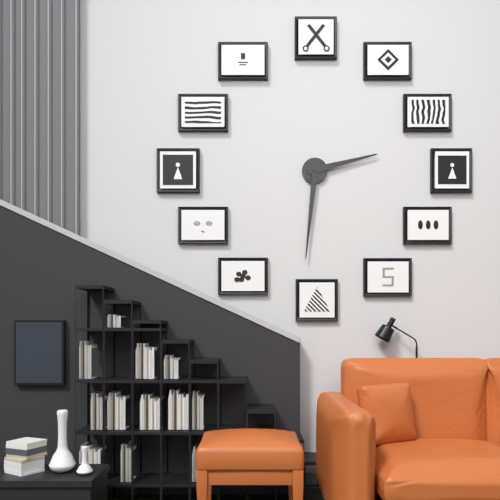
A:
2h31
